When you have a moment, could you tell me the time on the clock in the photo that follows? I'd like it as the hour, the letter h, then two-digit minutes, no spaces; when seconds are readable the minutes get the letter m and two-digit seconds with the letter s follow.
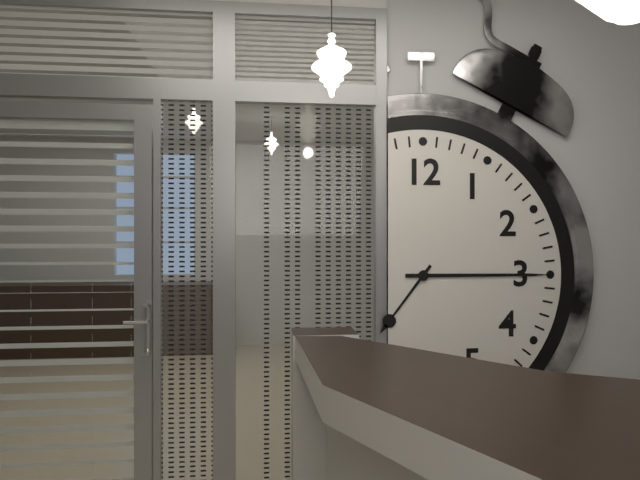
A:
7h15
